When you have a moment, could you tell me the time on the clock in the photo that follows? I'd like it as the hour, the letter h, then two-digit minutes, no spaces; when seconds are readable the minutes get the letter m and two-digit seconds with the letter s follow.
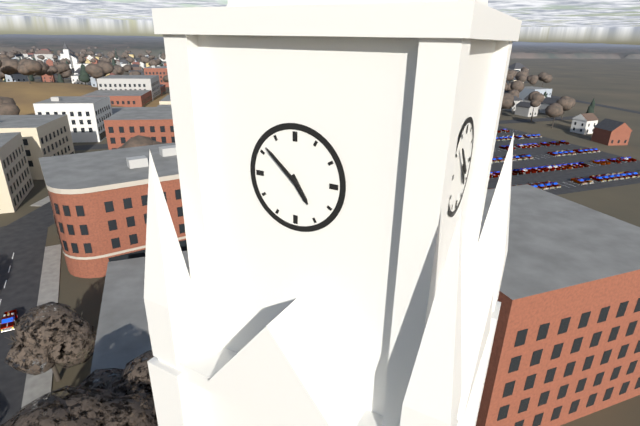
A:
4h52
